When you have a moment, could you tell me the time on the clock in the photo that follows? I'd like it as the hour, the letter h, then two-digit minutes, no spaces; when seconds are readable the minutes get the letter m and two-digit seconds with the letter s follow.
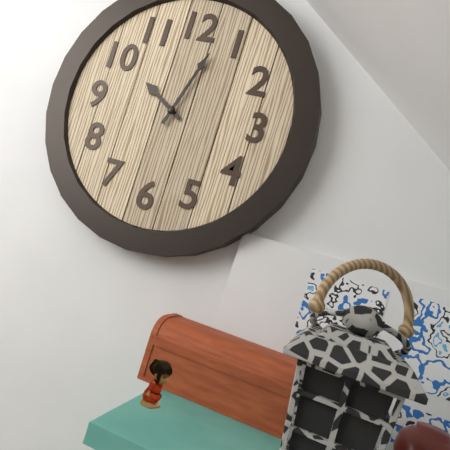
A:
10h03
